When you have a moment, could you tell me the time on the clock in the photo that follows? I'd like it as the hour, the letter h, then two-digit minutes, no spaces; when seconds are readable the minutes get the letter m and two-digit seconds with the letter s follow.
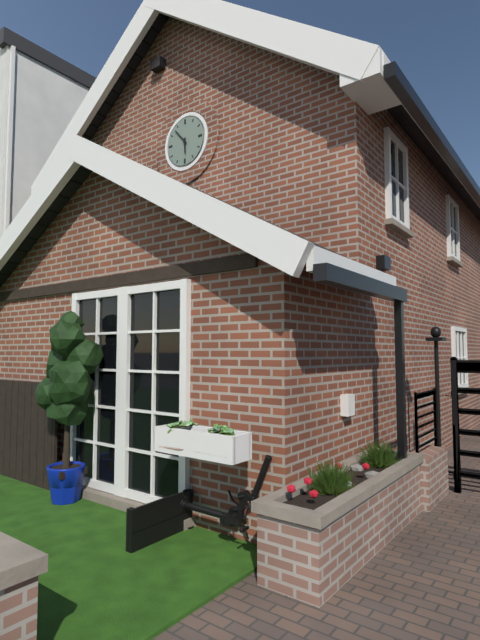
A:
5h53
